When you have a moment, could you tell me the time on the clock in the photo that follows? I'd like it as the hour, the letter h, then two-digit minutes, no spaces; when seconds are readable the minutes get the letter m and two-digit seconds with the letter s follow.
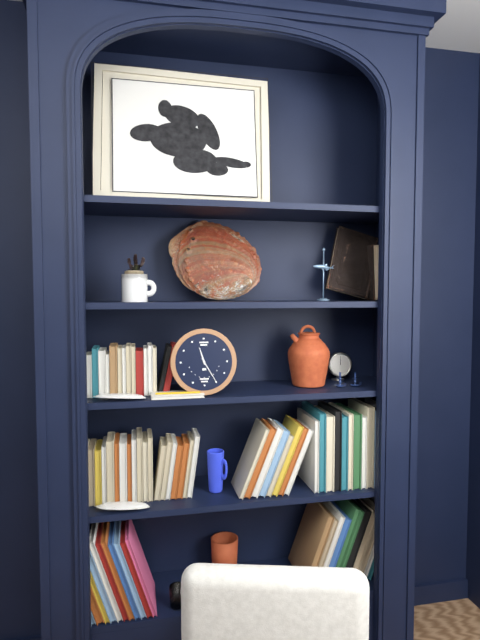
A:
11h25
